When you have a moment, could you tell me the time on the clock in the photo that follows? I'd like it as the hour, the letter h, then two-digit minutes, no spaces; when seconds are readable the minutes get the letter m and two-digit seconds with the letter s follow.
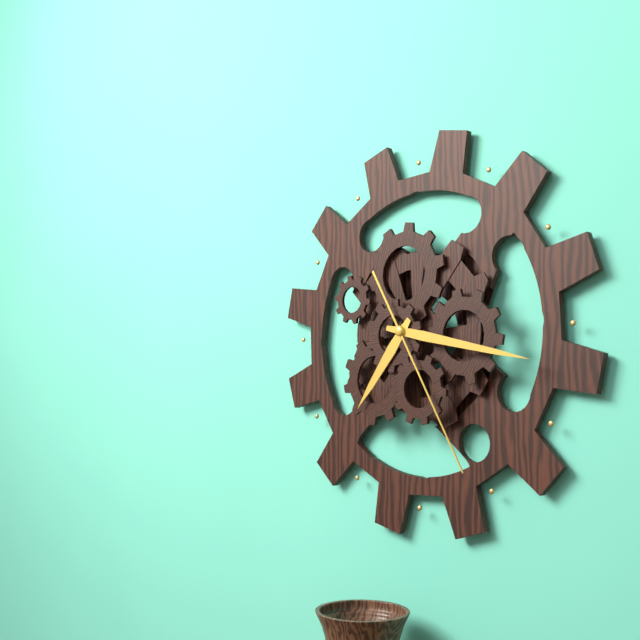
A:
7h17m25s
